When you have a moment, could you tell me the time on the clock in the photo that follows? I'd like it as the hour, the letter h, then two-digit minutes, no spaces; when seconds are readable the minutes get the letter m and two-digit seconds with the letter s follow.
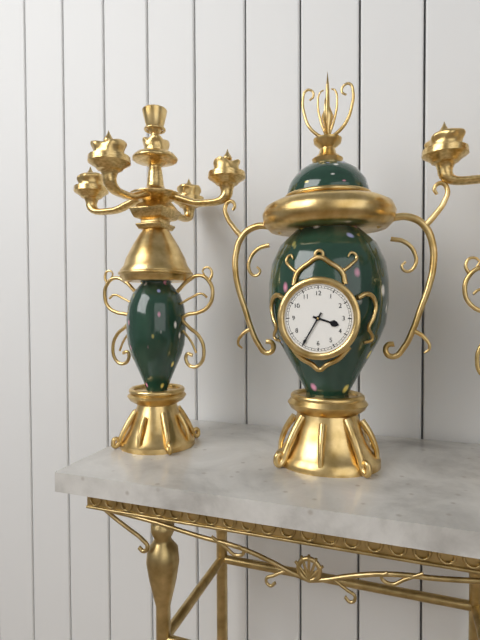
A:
3h35
